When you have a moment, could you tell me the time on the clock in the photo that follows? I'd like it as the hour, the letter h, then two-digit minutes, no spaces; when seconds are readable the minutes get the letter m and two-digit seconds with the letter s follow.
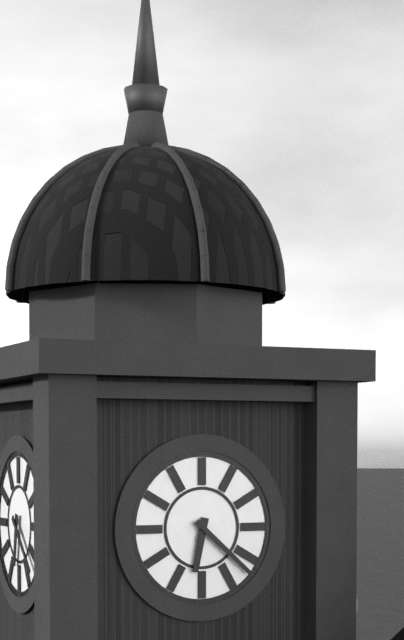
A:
6h22
